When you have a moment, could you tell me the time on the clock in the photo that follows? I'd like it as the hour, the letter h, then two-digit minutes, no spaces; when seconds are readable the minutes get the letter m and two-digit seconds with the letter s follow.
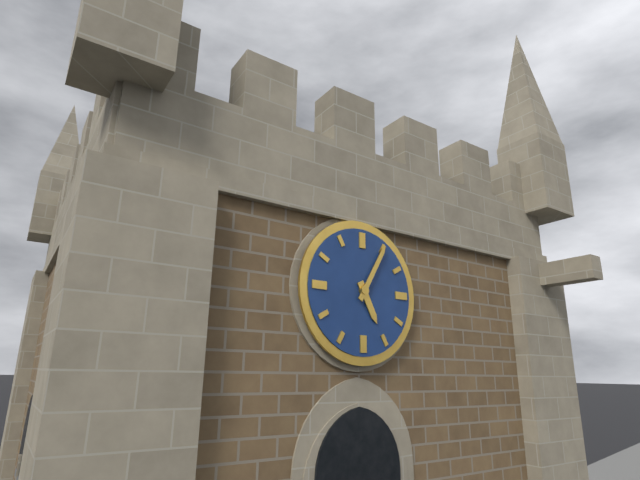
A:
5h05
